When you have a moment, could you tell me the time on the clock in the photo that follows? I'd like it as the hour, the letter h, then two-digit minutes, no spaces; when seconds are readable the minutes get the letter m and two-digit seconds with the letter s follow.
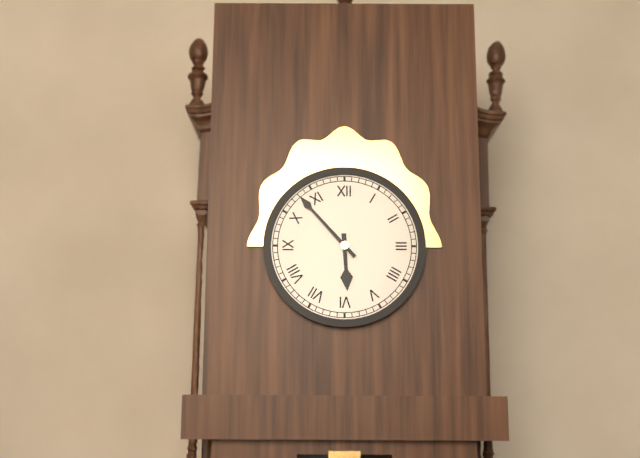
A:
5h53
